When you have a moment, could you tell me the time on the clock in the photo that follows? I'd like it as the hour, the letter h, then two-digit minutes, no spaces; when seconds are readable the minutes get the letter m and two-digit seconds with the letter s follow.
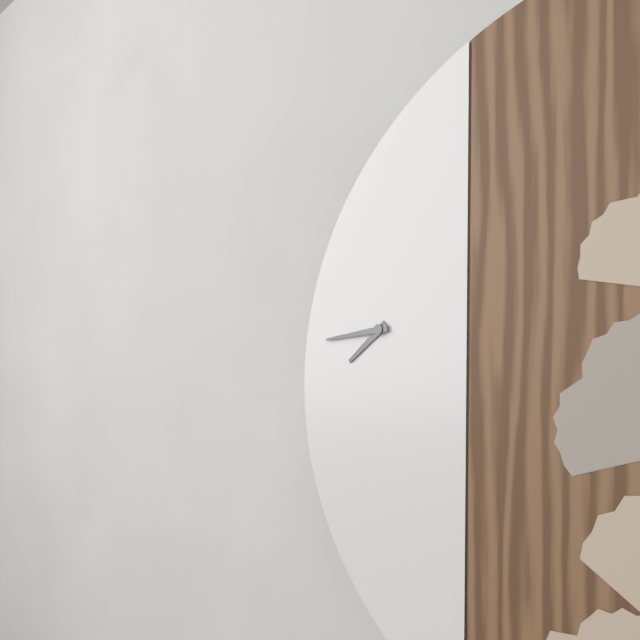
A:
7h44
